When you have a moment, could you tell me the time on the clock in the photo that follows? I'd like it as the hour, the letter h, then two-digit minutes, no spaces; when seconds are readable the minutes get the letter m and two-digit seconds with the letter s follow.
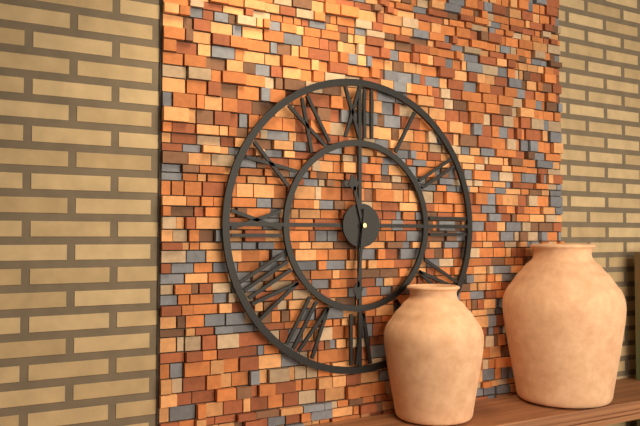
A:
11h31
